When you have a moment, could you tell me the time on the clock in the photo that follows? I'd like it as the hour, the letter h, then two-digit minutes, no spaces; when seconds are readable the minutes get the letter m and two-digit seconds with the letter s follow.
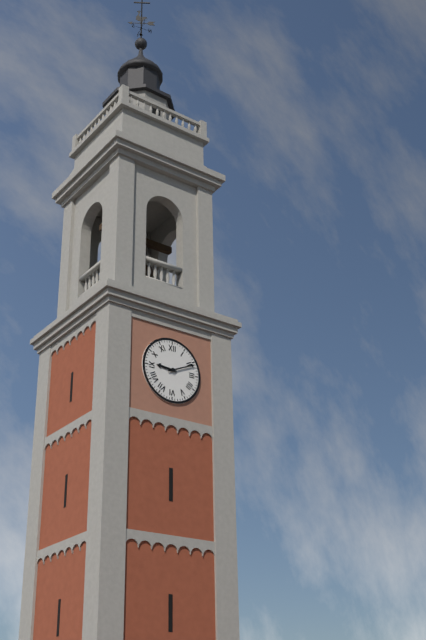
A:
9h11
